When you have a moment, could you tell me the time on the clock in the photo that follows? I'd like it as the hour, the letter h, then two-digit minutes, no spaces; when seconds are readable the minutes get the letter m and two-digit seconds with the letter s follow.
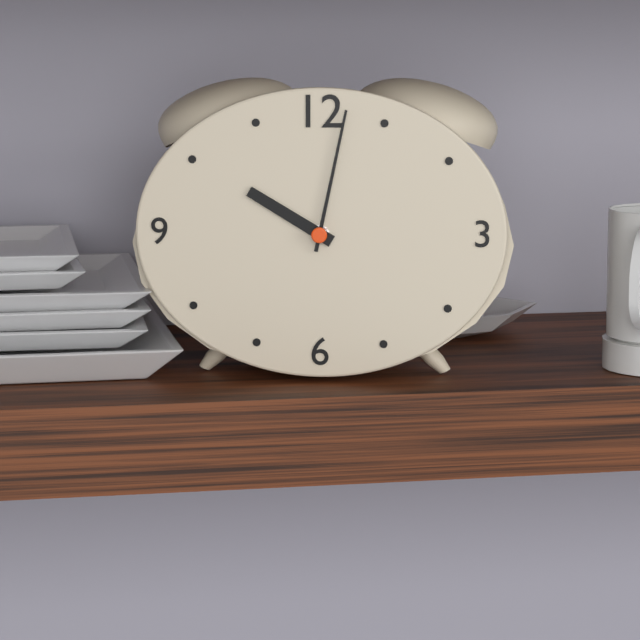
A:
10h02
